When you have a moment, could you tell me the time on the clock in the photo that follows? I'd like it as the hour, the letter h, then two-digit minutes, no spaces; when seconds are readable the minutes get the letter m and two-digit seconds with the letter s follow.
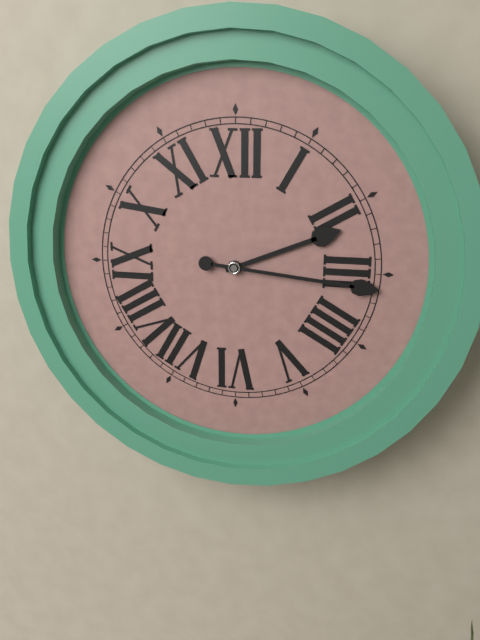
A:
2h16
